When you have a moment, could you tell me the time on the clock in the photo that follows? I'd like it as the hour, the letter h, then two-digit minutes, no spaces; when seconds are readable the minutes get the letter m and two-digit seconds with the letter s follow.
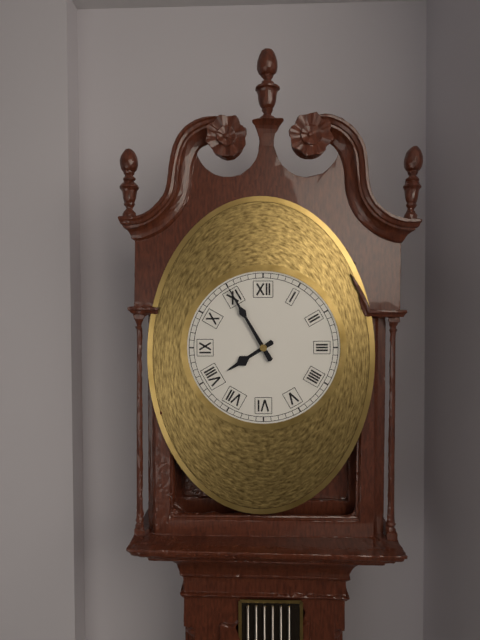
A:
7h55
